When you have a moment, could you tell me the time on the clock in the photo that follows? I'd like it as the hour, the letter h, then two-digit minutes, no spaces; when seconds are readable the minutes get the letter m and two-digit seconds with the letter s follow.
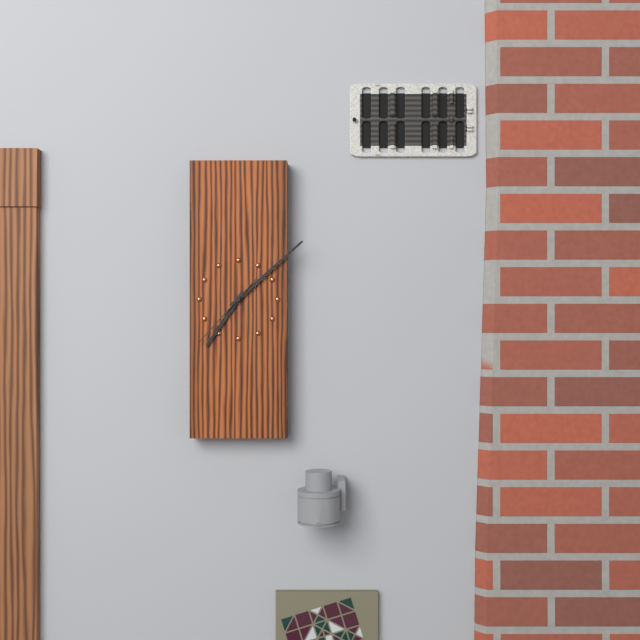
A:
7h08m37s
